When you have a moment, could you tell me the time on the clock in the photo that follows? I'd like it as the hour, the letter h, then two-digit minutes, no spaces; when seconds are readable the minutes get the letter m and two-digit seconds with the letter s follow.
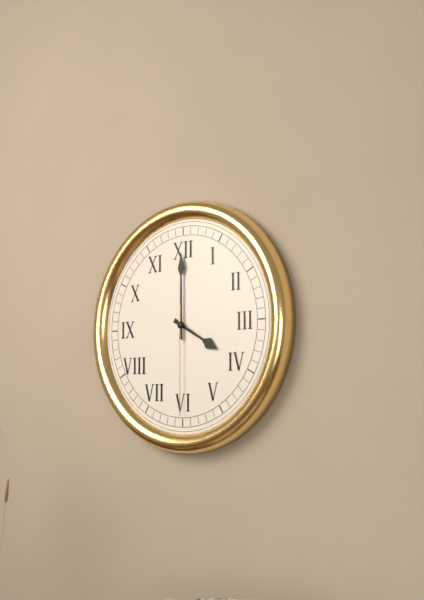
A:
4h00m30s
